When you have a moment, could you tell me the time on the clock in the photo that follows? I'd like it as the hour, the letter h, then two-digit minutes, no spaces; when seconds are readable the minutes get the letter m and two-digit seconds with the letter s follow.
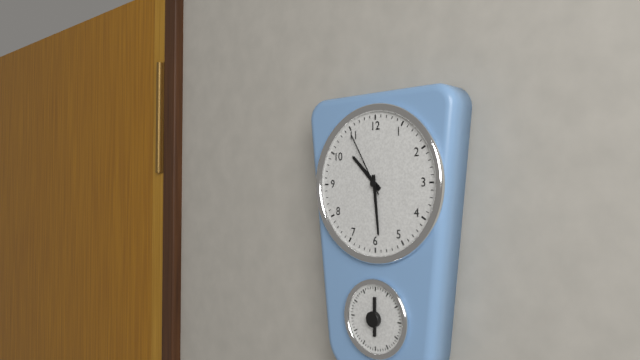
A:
10h29m55s
